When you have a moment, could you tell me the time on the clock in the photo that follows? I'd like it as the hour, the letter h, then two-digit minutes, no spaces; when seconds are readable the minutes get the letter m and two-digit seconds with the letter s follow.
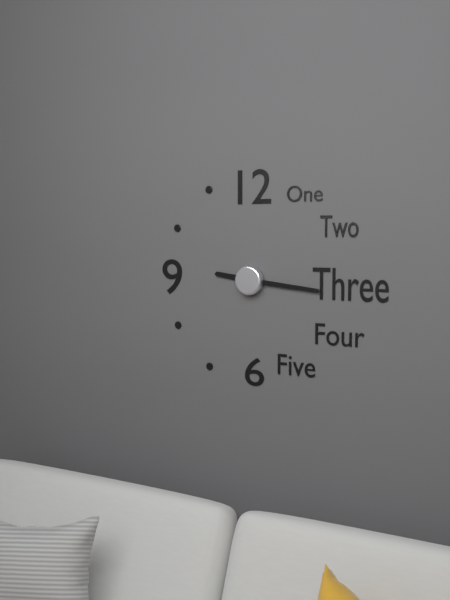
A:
9h16
